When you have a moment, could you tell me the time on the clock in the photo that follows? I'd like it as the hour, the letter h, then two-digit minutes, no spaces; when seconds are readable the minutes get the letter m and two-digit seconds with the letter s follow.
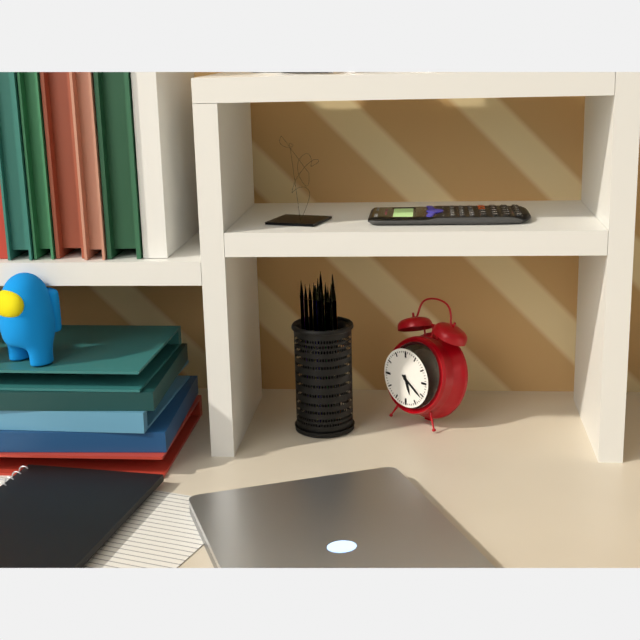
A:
5h21
